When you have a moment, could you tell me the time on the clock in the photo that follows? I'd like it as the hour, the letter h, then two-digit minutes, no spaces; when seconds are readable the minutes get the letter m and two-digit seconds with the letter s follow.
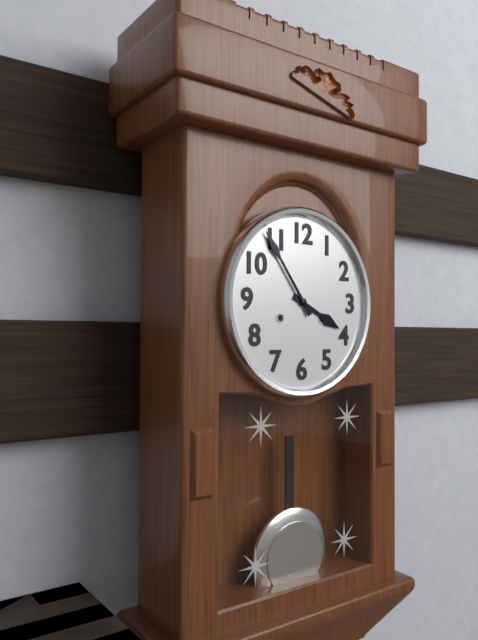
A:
3h54
